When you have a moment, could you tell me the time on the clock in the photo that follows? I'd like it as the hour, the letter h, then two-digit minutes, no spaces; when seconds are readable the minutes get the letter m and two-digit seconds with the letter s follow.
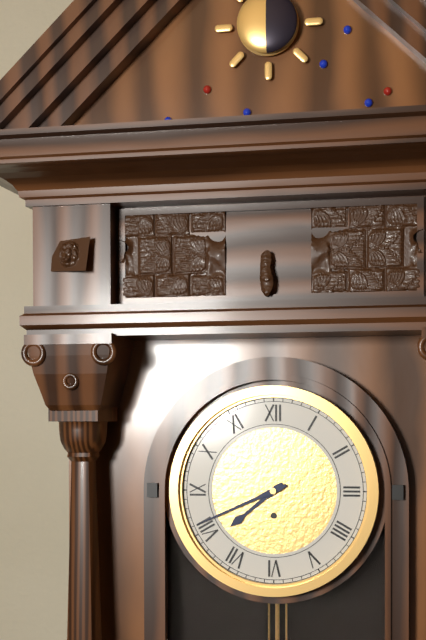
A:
7h41
